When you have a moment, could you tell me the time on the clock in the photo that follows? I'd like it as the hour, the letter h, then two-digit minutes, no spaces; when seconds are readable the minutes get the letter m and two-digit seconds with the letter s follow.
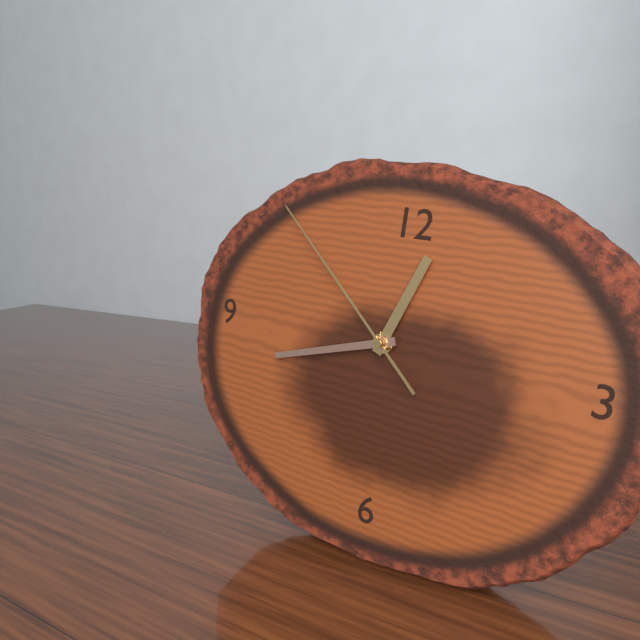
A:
12h42m52s
